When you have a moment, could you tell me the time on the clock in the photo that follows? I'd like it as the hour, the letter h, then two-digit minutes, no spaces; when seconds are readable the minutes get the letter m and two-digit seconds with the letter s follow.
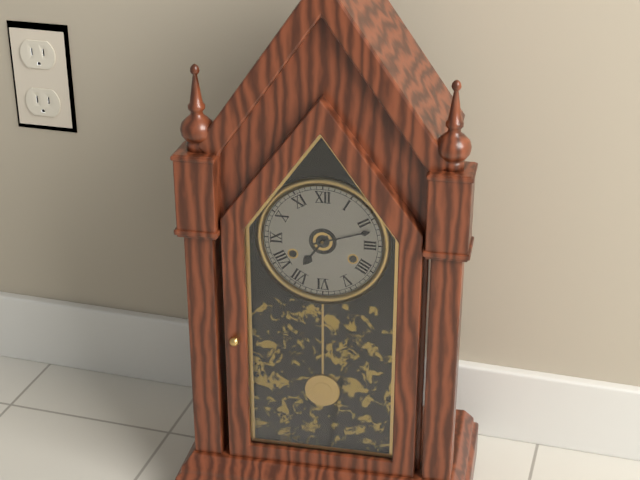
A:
7h12
